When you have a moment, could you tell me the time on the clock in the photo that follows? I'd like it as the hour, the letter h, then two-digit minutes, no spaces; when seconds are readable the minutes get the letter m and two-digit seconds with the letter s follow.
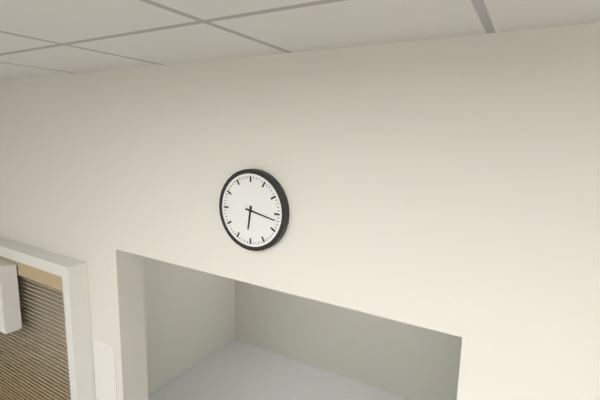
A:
6h17
